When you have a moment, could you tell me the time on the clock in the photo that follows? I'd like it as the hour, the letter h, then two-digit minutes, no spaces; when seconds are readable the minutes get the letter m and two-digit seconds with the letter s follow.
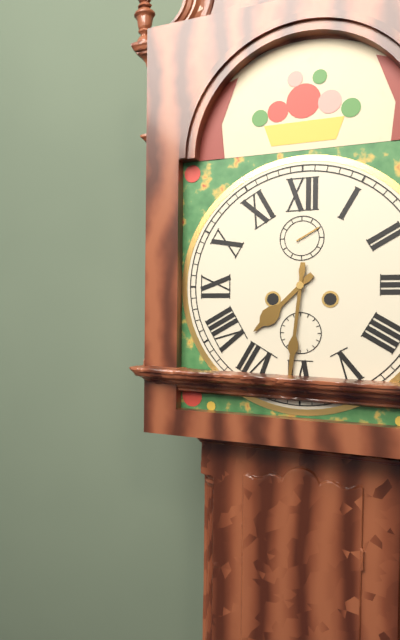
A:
7h31
